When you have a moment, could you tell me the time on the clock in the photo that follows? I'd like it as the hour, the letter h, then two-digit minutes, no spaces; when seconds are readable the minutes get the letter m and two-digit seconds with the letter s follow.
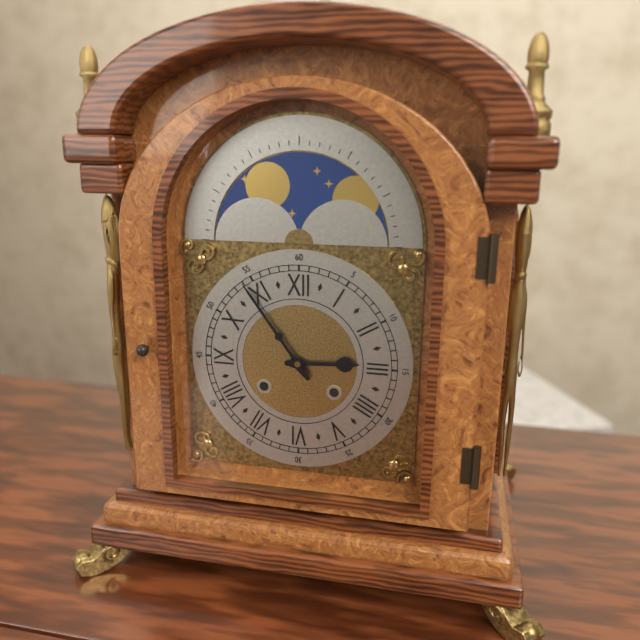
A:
2h54
